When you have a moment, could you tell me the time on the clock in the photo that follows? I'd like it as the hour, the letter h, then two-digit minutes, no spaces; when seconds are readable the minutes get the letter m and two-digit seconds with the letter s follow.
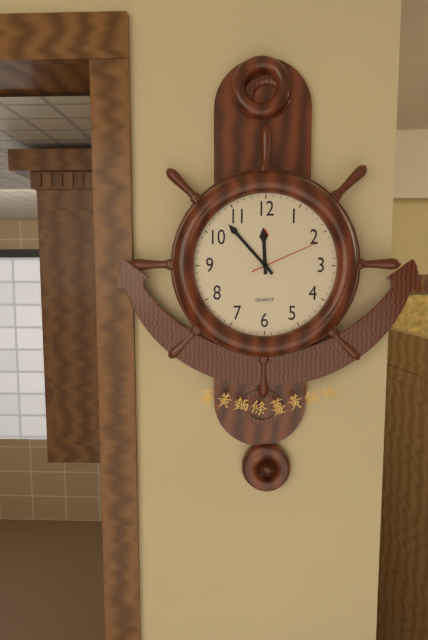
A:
11h53m11s
